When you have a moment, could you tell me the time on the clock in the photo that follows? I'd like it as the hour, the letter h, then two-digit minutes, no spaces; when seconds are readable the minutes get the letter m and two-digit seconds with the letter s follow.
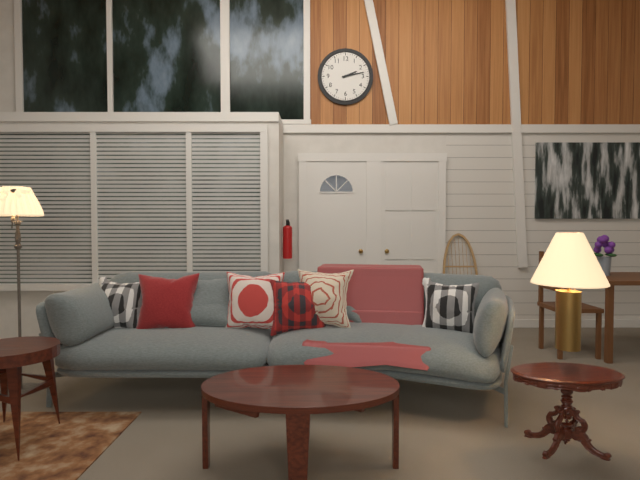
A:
2h13
